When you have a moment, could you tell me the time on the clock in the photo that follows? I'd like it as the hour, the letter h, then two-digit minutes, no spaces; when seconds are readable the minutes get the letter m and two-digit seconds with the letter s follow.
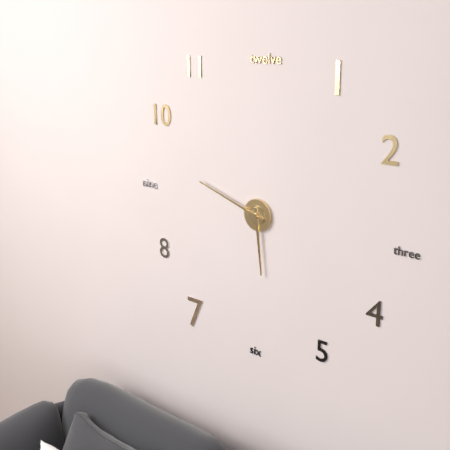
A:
5h48
